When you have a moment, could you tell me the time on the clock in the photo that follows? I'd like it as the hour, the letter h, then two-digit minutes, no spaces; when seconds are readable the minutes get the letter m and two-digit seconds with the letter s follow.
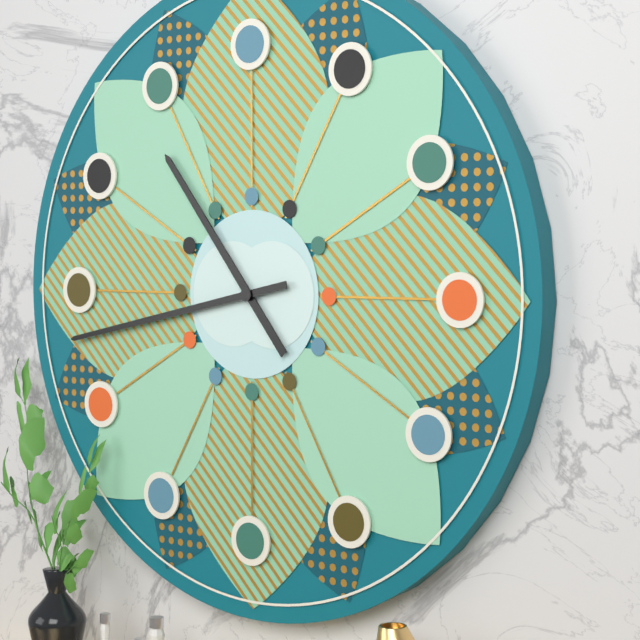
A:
10h43
